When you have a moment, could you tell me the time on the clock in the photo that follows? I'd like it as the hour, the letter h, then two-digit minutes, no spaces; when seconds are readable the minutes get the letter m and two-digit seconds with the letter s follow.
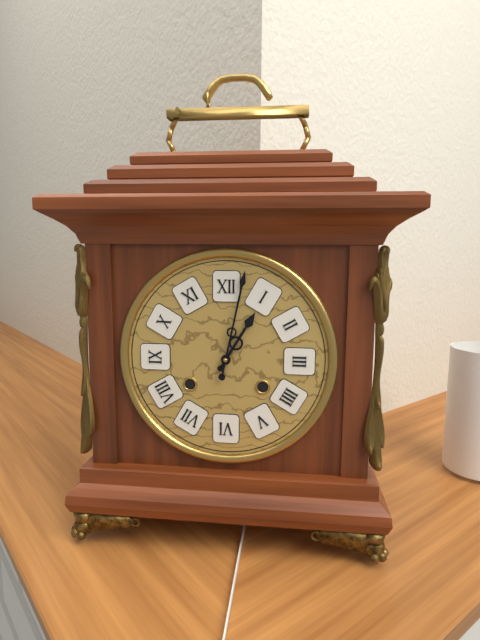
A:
1h02
